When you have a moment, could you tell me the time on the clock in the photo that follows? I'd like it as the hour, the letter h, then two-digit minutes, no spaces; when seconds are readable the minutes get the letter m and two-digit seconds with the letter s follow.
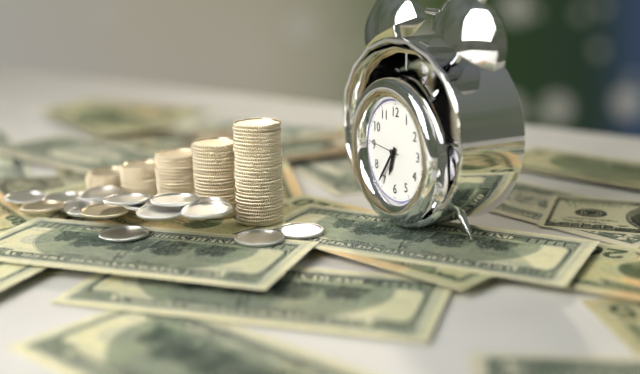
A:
6h36
